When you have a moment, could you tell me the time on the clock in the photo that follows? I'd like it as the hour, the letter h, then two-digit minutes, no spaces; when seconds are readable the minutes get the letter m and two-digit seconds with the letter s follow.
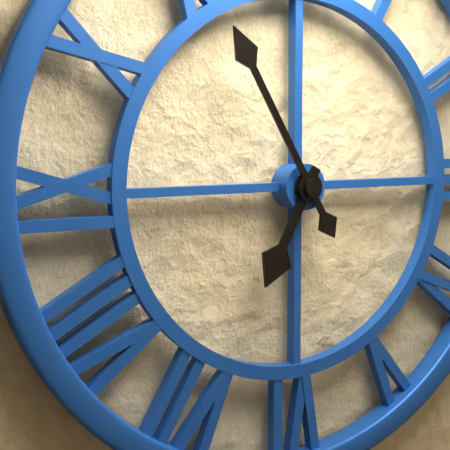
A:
6h55
